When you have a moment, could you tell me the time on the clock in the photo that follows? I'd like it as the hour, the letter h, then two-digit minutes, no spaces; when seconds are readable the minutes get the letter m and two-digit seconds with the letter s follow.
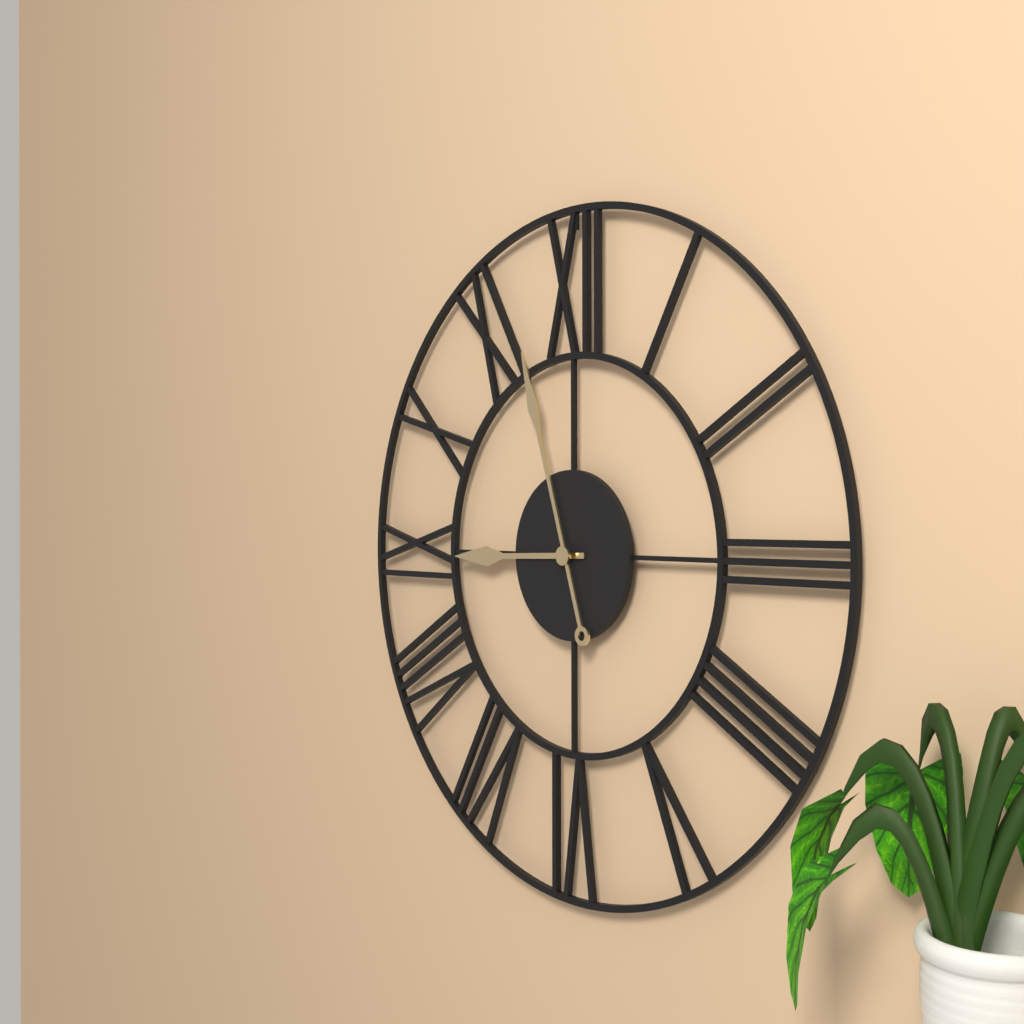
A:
8h57
